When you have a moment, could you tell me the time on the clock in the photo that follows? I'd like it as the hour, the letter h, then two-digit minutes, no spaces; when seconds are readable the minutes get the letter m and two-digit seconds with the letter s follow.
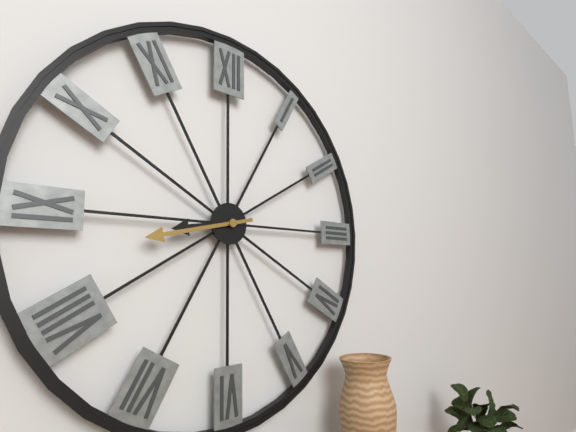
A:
8h43
